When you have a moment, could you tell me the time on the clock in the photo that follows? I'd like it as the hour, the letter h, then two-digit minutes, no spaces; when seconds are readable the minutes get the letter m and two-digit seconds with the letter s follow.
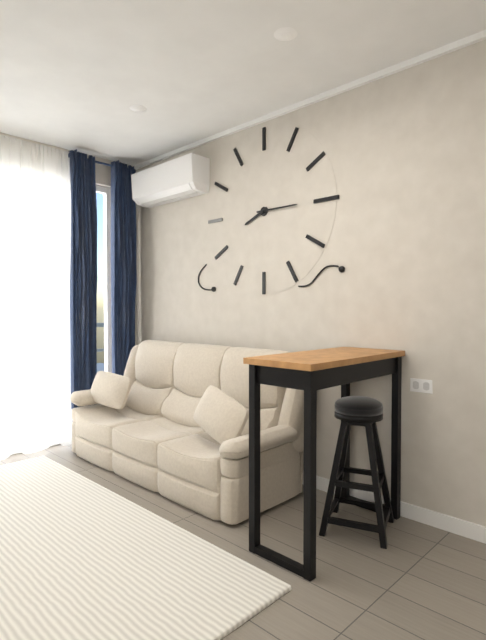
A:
8h15
